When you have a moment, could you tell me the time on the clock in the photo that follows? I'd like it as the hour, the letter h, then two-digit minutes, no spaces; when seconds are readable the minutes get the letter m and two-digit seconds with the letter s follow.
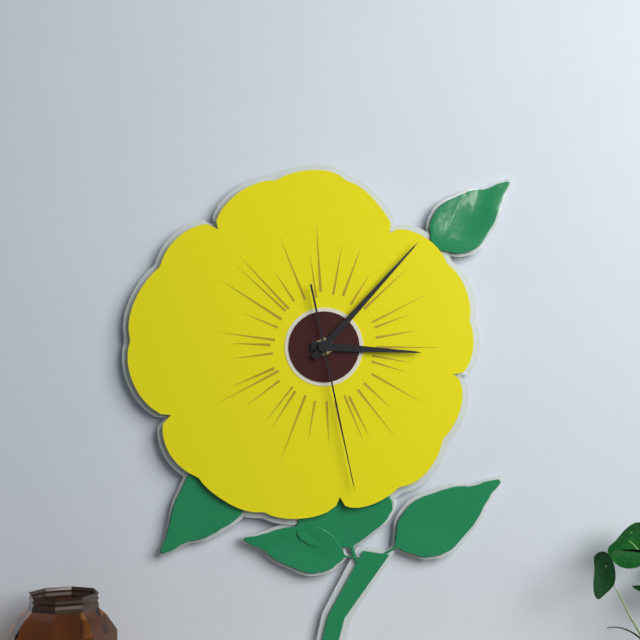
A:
3h07m28s
